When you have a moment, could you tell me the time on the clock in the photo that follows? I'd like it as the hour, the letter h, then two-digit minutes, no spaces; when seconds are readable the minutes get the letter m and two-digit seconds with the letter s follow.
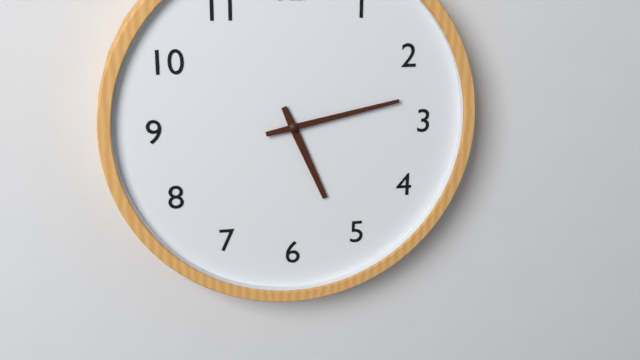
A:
5h13
